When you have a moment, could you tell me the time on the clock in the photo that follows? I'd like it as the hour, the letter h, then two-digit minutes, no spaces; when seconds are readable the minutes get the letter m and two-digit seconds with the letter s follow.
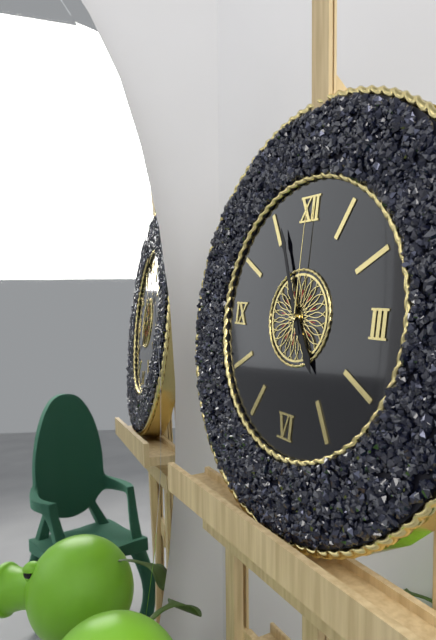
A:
4h56m00s
